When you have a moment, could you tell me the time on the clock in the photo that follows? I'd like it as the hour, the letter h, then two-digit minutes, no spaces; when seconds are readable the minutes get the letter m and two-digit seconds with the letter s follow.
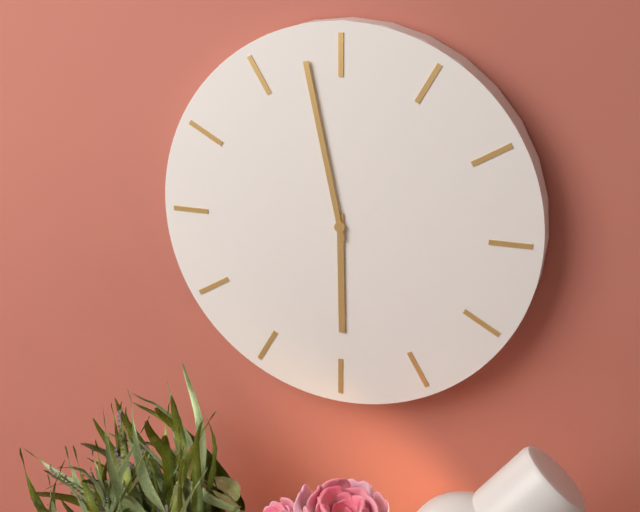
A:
5h58
